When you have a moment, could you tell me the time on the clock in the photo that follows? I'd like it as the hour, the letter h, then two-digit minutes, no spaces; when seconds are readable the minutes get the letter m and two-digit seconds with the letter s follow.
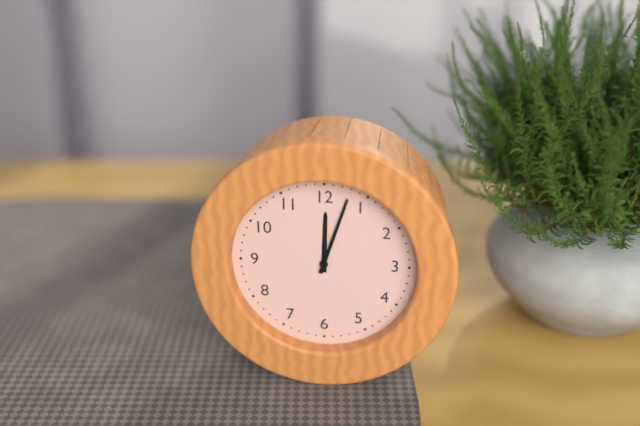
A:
12h03
